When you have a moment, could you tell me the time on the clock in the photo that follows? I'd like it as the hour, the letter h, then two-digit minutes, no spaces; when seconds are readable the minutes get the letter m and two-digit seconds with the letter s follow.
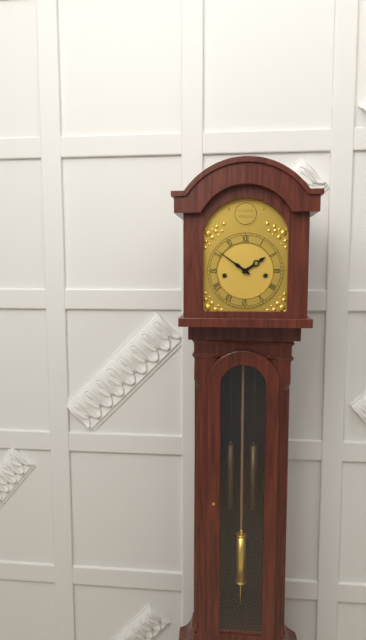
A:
1h51
